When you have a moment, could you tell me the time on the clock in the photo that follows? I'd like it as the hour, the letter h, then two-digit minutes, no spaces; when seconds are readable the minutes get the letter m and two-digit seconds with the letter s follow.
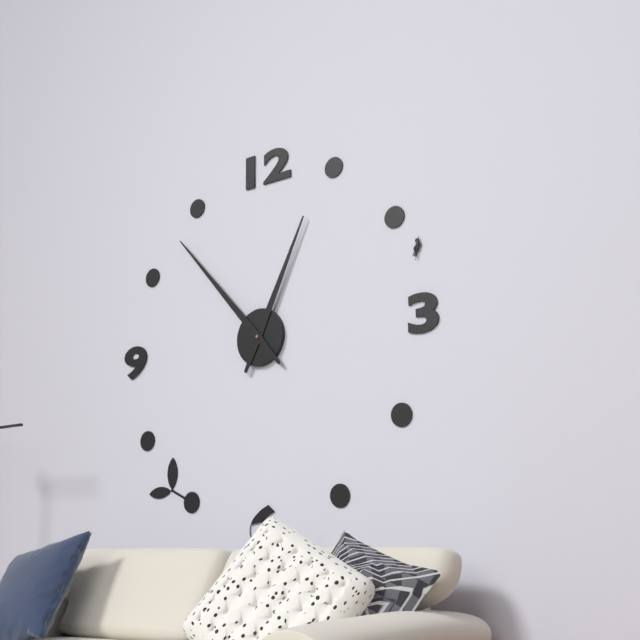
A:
12h53
